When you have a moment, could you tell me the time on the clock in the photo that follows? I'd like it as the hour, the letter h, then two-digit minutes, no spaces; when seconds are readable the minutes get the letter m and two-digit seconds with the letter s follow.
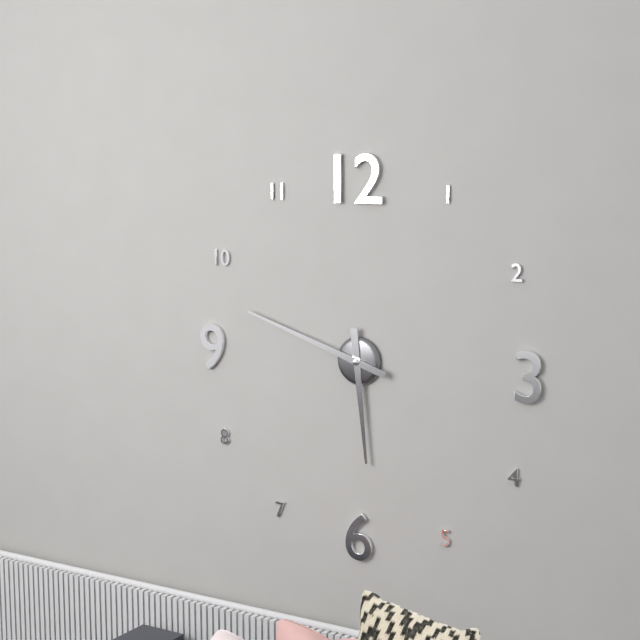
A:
5h48
